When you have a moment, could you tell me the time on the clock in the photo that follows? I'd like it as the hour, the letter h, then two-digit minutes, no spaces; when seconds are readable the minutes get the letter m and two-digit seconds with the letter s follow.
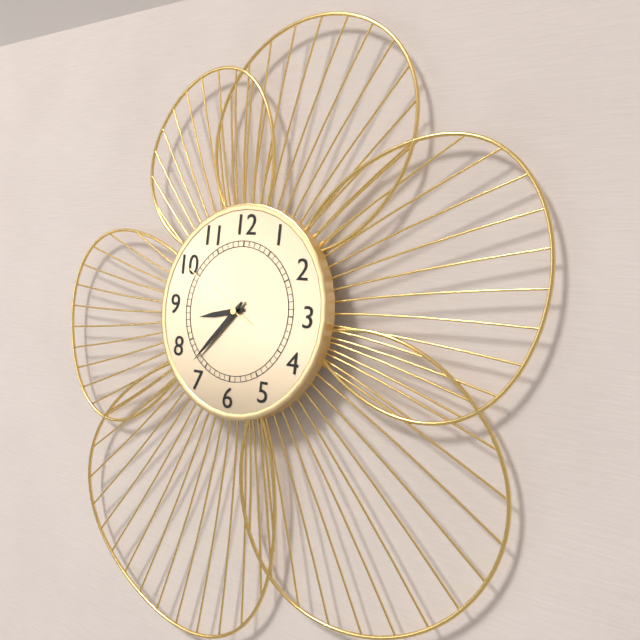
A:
8h37m50s
